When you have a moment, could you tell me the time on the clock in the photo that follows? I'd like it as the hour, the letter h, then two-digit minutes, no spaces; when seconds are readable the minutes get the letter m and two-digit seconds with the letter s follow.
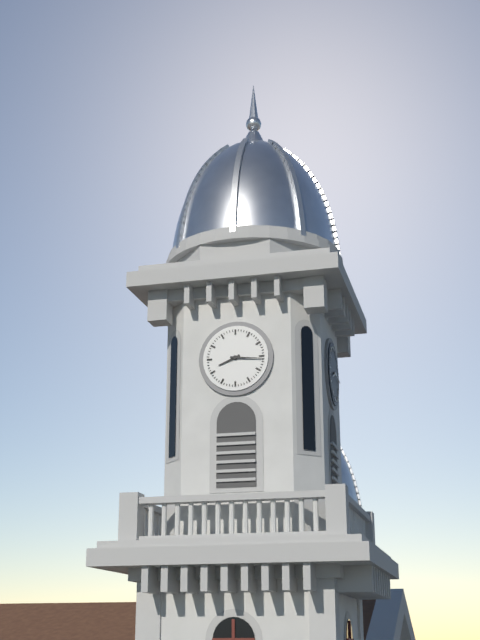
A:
8h16
